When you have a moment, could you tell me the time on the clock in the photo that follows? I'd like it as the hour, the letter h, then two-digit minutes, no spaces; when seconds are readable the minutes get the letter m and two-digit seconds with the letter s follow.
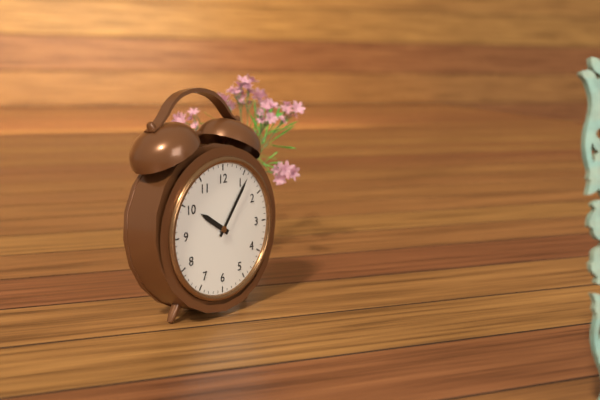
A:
10h06
